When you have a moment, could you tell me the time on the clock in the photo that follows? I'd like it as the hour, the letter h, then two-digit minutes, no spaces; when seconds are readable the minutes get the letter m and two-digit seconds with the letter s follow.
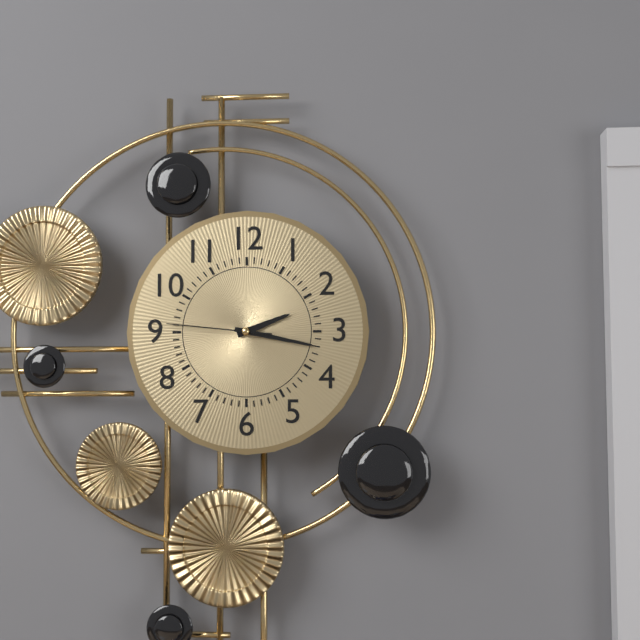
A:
2h17m46s
